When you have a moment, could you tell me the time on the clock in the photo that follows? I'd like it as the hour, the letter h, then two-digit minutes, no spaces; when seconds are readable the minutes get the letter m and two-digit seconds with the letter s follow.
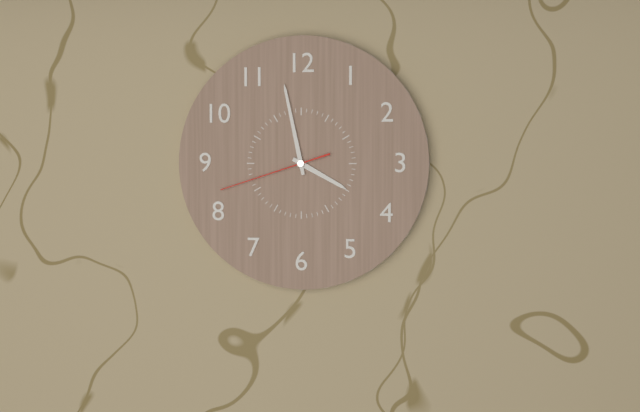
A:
3h58m42s
